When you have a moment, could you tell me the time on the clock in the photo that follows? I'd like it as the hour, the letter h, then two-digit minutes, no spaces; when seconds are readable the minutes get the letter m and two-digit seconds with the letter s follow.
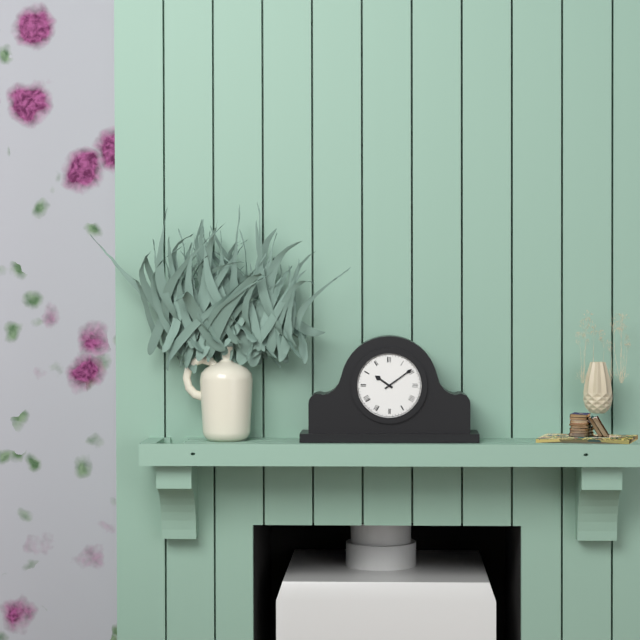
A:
10h09
